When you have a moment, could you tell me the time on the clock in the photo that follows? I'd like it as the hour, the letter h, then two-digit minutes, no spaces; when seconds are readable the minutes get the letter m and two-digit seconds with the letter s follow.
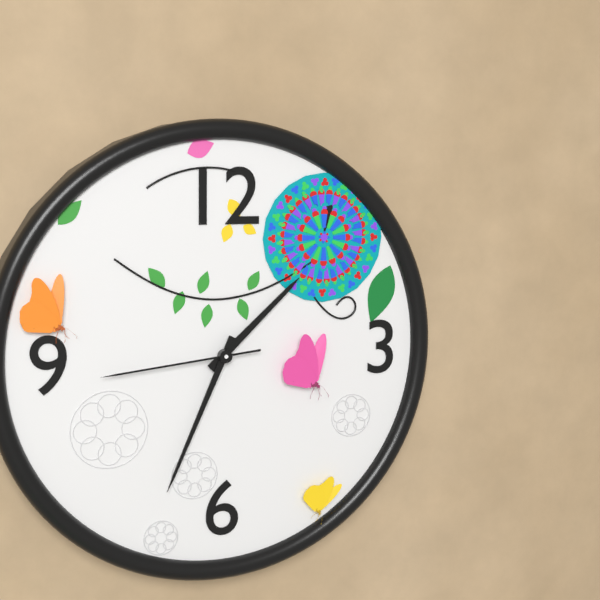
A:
1h34m44s
